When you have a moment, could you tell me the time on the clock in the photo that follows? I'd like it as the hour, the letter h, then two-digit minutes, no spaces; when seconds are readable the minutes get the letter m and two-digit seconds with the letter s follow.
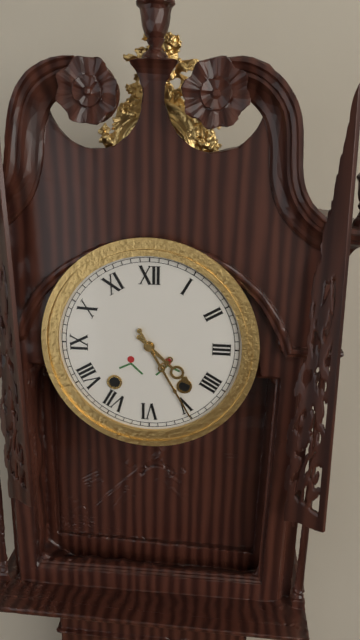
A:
4h25
